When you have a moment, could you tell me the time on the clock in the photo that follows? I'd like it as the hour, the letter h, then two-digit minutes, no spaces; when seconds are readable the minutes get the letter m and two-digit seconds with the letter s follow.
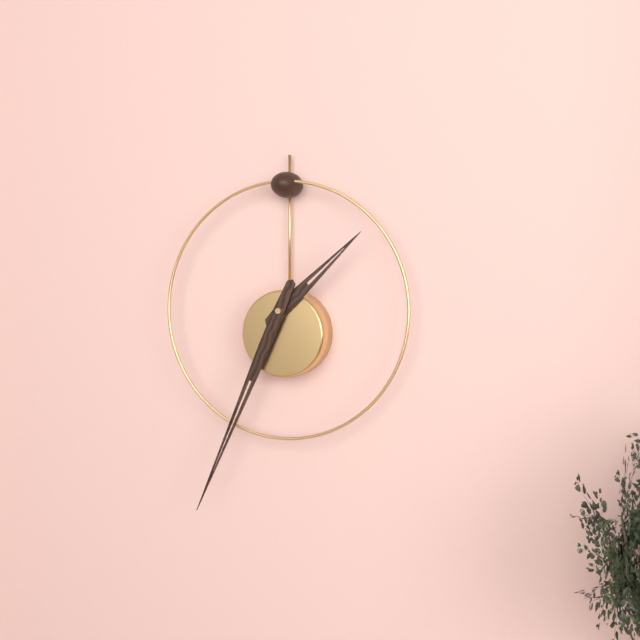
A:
1h34
